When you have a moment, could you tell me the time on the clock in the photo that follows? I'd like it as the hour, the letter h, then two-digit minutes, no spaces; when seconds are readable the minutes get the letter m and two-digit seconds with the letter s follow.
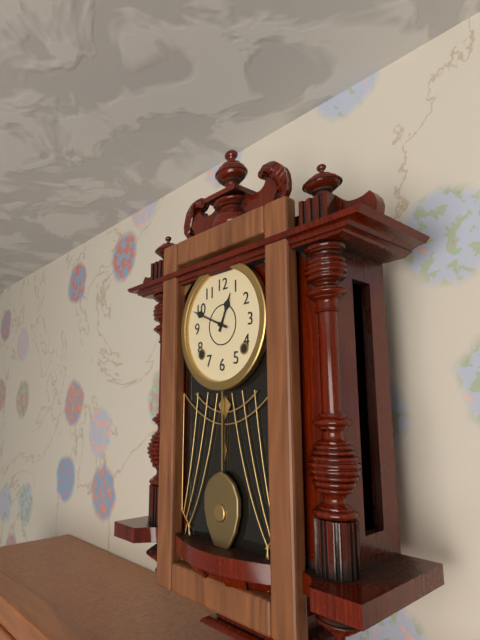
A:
12h49
